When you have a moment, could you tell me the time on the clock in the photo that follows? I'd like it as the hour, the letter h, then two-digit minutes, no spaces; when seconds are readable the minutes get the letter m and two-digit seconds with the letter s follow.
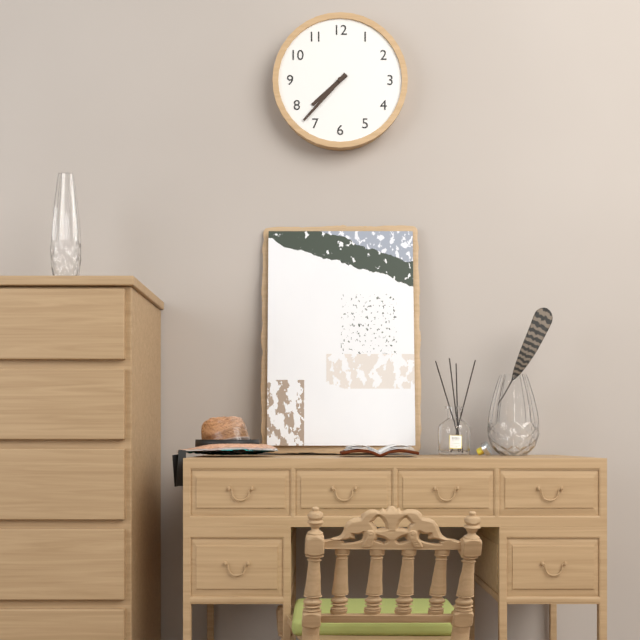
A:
7h37
